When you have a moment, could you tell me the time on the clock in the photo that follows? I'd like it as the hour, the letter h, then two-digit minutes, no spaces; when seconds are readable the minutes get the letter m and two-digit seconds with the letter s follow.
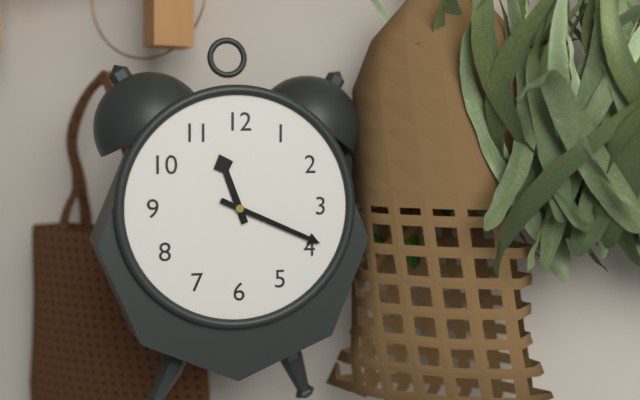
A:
11h19
